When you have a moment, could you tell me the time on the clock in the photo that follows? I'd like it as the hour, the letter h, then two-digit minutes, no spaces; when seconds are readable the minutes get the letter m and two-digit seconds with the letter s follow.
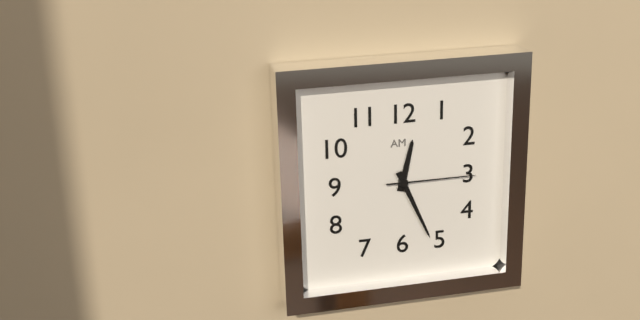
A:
12h26m15s
